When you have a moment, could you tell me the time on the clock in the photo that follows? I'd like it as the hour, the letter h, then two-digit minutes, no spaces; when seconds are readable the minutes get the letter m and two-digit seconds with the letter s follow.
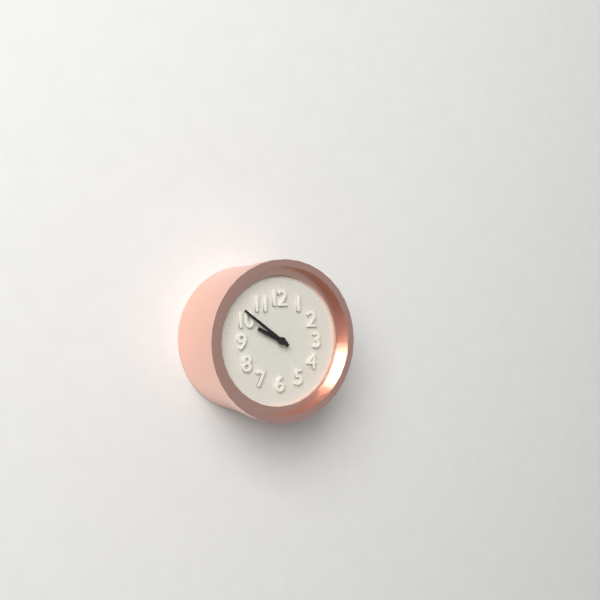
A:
9h51
